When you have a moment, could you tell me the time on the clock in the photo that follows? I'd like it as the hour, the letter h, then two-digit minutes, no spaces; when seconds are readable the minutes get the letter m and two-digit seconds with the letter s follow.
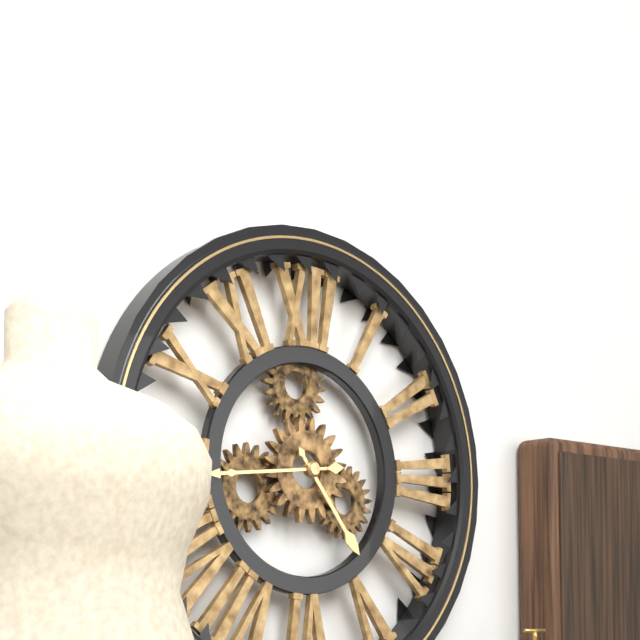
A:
4h44
